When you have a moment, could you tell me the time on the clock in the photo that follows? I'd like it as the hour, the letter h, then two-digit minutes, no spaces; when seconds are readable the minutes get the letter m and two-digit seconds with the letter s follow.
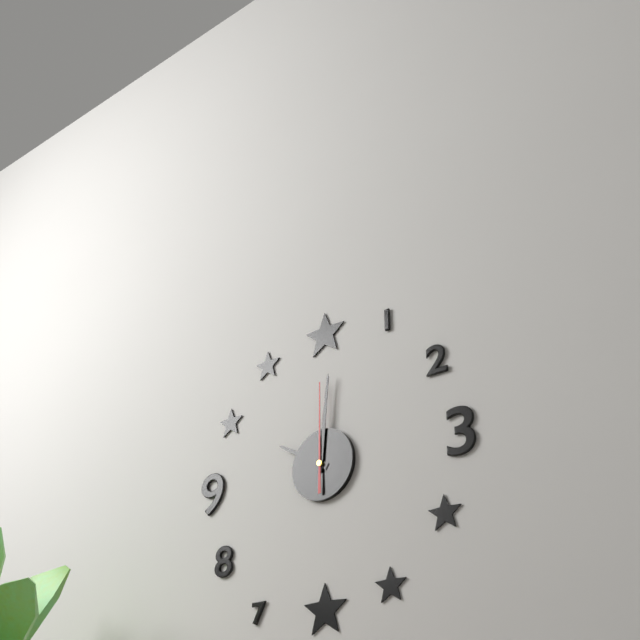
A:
10h01m00s
